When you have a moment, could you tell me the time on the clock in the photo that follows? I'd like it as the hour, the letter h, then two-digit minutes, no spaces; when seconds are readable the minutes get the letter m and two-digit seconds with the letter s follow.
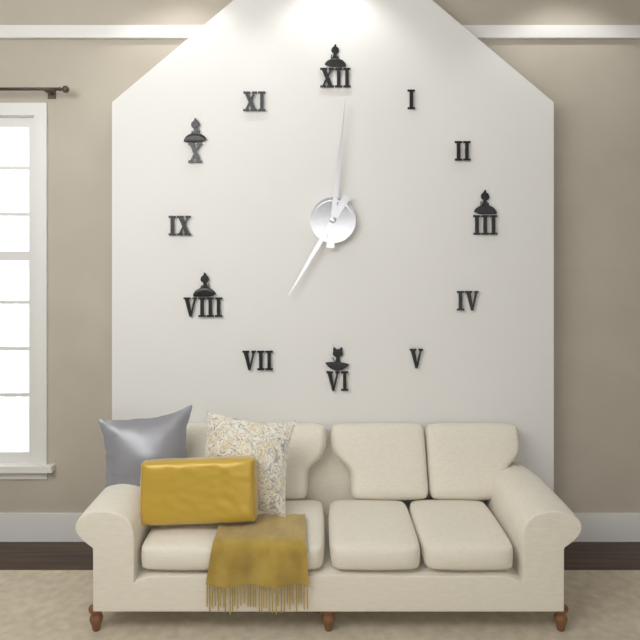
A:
7h01
